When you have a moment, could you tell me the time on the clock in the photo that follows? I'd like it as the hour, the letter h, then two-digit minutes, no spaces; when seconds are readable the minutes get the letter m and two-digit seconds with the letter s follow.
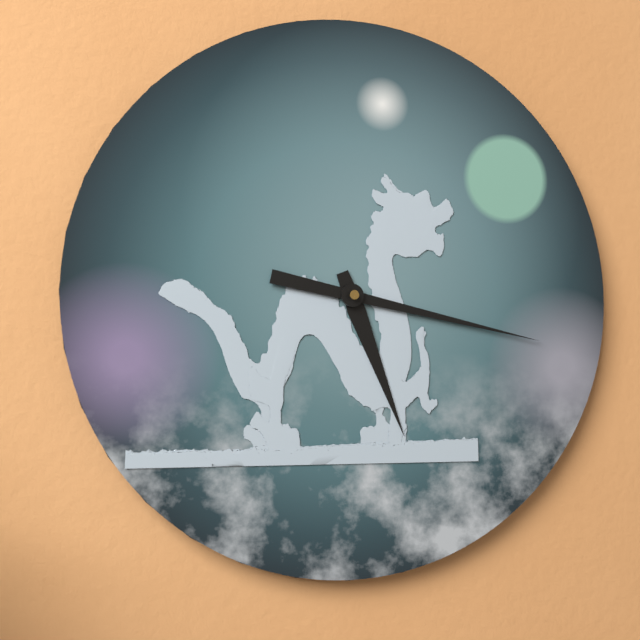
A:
5h17
